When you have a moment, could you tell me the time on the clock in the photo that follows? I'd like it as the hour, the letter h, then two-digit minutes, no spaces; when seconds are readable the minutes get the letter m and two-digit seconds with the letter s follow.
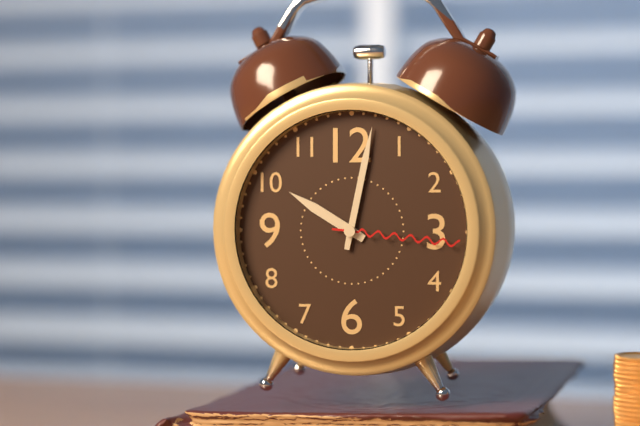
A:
10h02m16s
